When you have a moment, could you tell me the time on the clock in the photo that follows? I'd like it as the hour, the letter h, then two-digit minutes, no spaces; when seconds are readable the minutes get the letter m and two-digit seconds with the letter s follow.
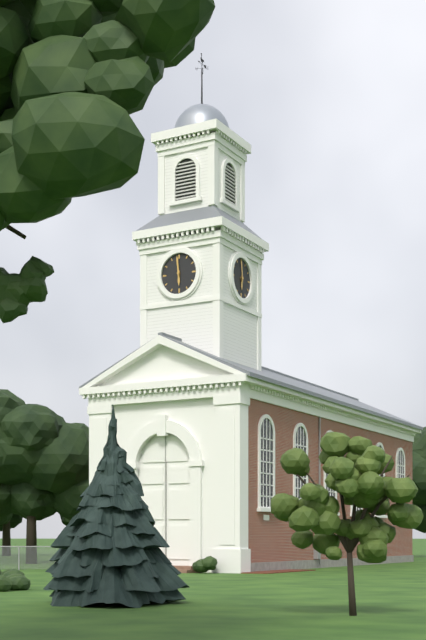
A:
5h59
